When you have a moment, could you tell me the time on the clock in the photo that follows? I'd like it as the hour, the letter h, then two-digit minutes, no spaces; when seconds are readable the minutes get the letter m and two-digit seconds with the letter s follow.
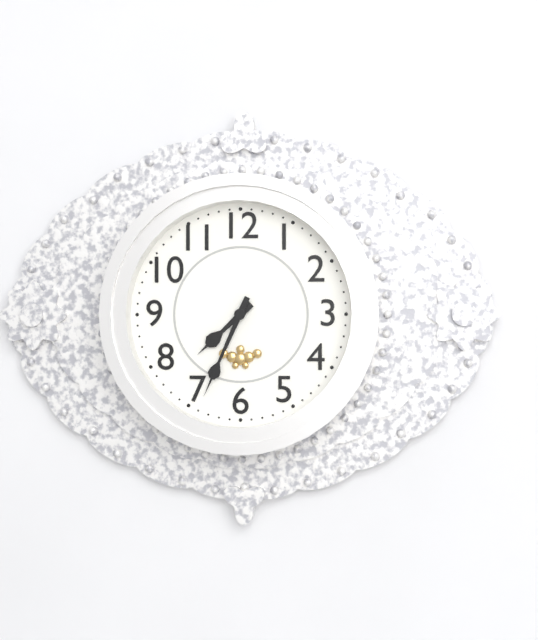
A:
7h34
